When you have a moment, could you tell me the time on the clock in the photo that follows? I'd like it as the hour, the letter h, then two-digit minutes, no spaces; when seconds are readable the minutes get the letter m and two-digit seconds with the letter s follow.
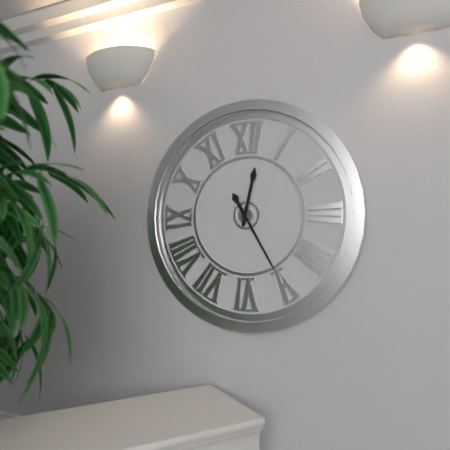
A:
12h25
